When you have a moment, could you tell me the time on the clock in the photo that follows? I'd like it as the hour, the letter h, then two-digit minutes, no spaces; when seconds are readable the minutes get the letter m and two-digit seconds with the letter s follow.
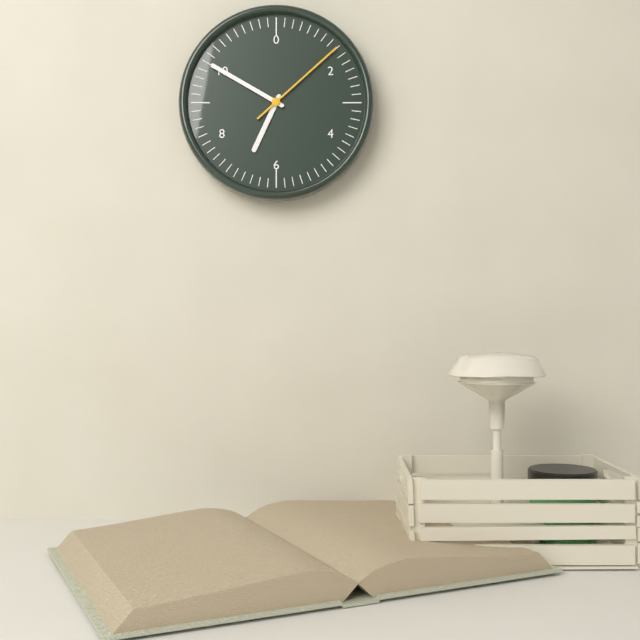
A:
6h50m08s
